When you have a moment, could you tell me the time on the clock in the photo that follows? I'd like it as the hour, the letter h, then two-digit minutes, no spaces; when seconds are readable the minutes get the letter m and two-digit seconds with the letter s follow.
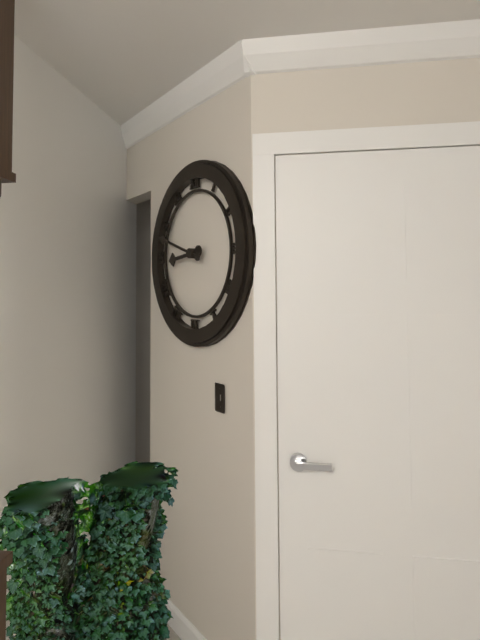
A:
8h48
